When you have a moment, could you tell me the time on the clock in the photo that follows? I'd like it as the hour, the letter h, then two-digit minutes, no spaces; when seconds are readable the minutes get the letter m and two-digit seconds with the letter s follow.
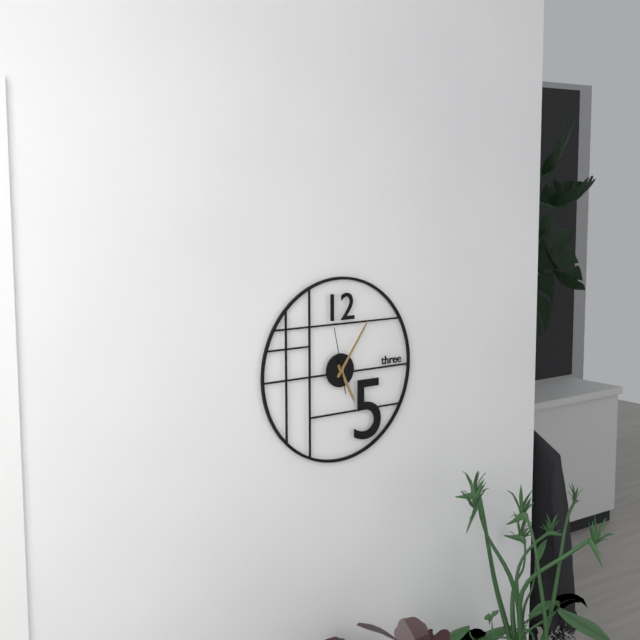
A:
5h06m58s
